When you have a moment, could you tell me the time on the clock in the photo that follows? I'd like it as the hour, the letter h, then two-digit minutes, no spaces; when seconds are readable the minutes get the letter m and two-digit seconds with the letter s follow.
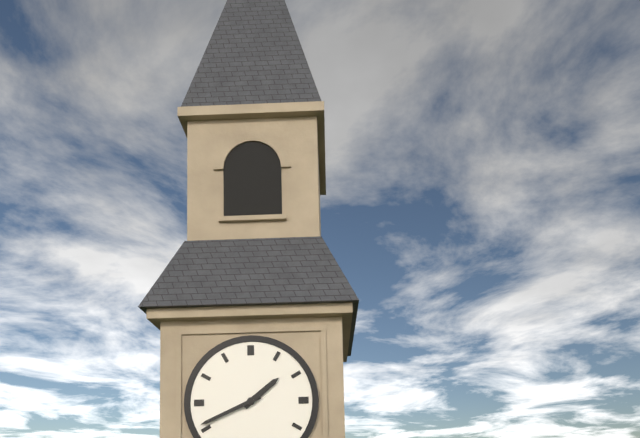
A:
1h41
